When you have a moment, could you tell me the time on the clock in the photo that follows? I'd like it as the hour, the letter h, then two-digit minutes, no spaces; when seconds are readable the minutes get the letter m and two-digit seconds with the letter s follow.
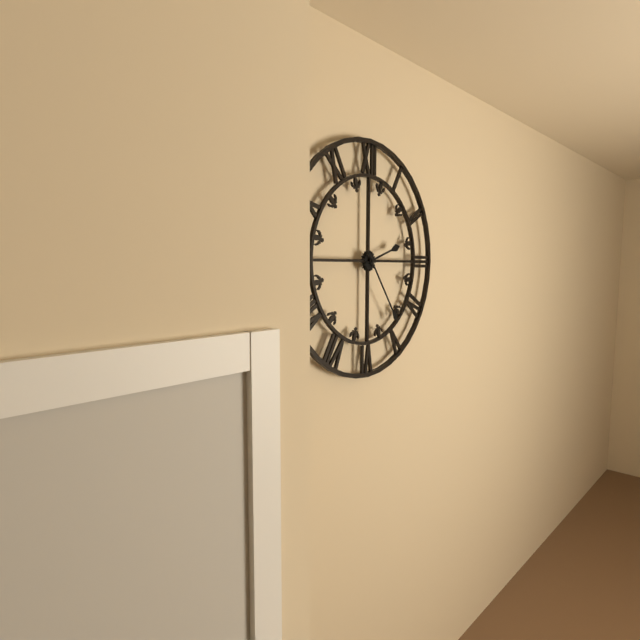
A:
2h24
